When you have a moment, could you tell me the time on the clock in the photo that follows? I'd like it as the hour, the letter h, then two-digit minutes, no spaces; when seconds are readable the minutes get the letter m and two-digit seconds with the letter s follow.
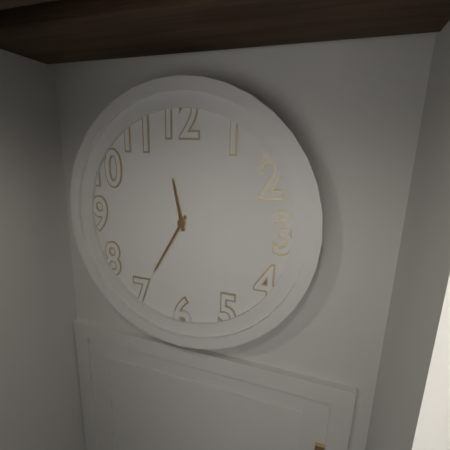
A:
11h35
